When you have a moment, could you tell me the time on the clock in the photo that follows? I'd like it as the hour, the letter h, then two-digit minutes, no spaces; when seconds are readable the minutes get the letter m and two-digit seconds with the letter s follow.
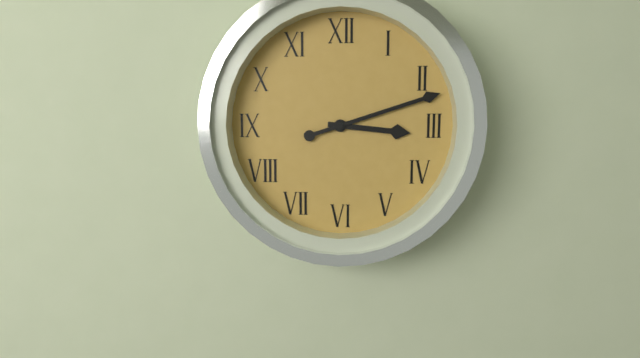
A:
3h12
